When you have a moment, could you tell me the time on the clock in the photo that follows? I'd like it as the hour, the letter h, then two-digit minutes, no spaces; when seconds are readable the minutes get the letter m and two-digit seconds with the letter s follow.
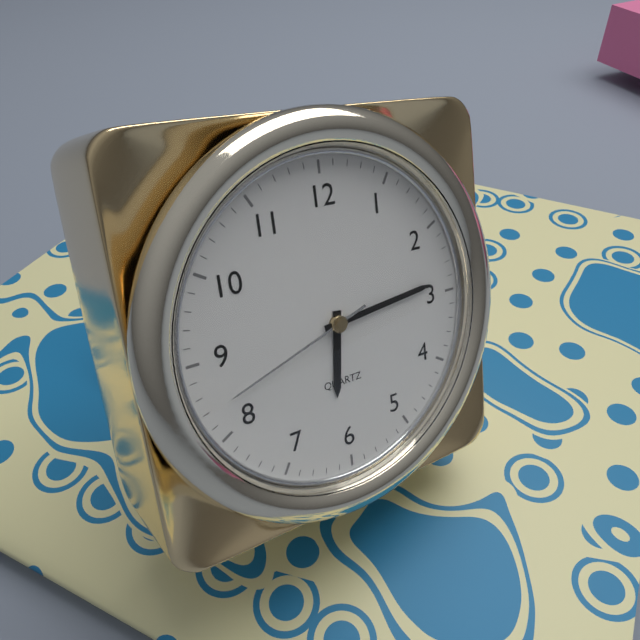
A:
6h14m42s
